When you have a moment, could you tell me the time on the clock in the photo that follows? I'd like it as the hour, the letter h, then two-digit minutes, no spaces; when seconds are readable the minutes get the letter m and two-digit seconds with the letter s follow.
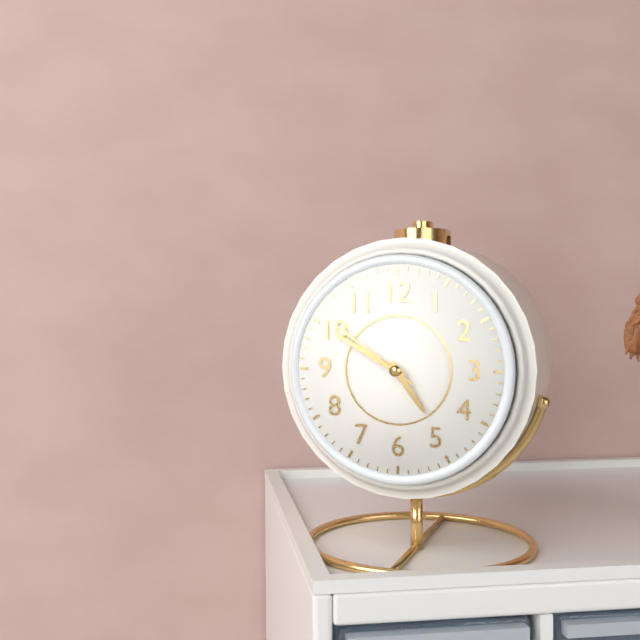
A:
4h50m51s
